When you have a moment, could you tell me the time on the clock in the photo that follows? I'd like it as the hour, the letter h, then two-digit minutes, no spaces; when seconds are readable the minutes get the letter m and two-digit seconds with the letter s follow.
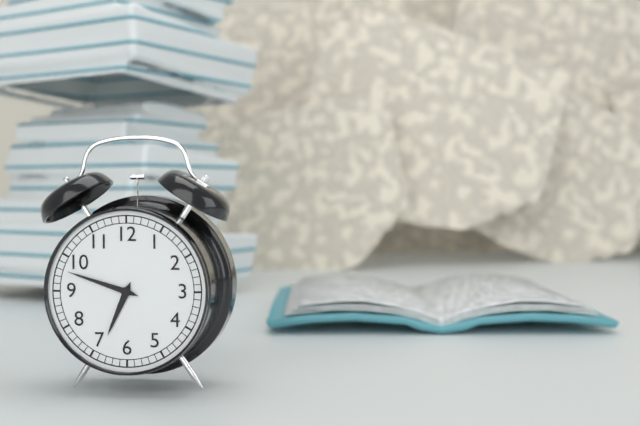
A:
6h48
